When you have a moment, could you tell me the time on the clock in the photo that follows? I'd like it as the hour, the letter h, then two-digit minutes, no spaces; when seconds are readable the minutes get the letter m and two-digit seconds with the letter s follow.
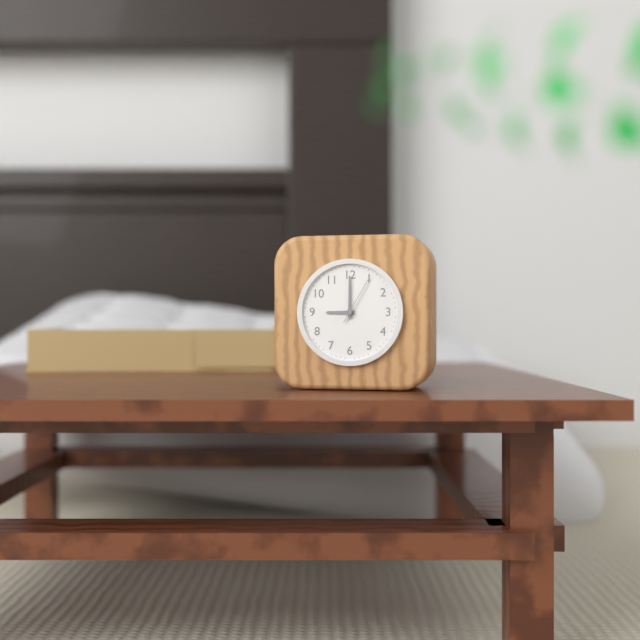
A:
9h00m05s
